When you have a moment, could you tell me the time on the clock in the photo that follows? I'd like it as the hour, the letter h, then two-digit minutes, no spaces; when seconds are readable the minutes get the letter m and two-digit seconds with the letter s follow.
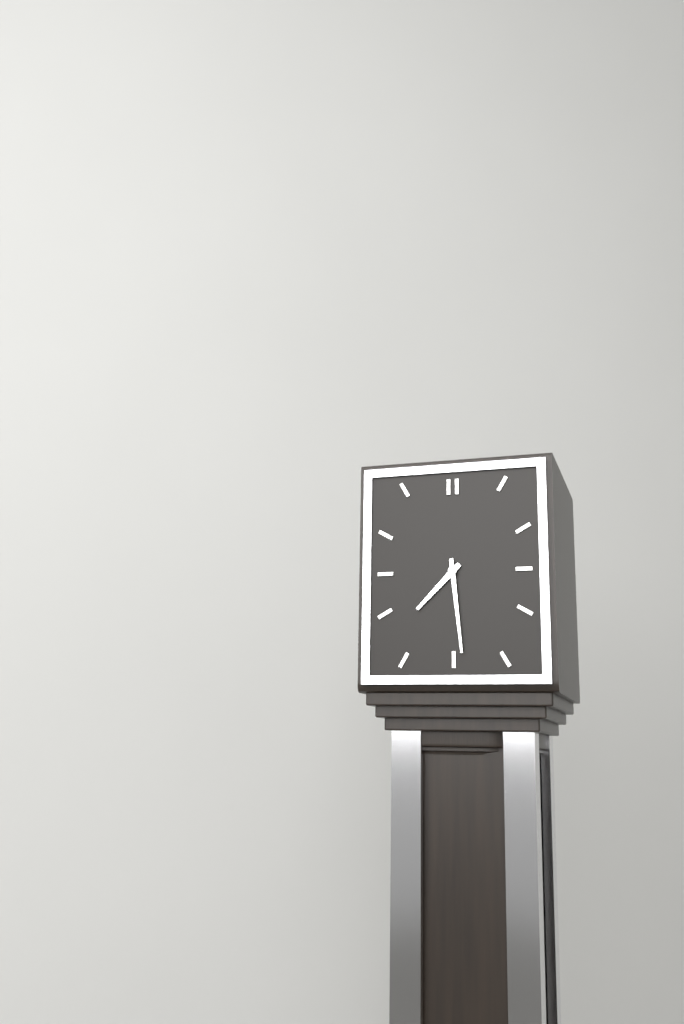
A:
7h29
